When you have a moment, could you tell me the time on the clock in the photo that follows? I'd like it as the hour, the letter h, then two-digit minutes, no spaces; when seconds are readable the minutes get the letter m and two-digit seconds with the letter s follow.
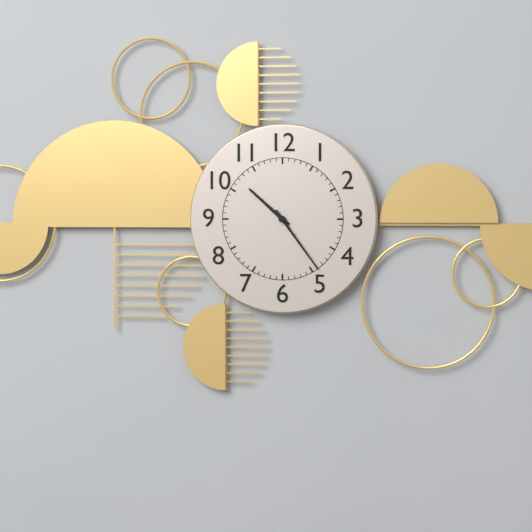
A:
10h24
